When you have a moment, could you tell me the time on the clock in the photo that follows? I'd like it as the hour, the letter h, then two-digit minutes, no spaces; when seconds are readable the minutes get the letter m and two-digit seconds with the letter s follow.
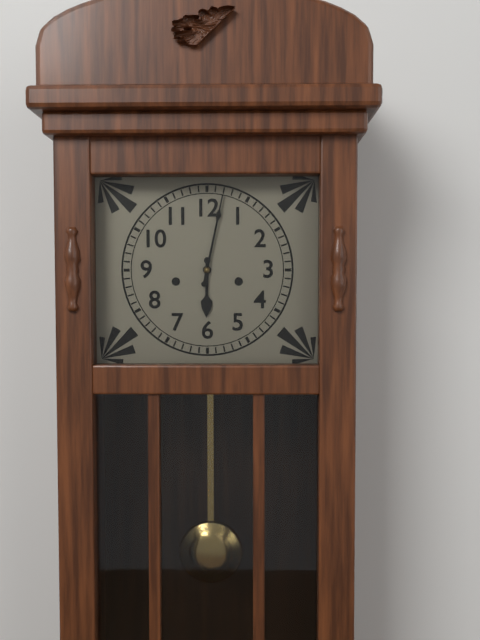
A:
6h02
